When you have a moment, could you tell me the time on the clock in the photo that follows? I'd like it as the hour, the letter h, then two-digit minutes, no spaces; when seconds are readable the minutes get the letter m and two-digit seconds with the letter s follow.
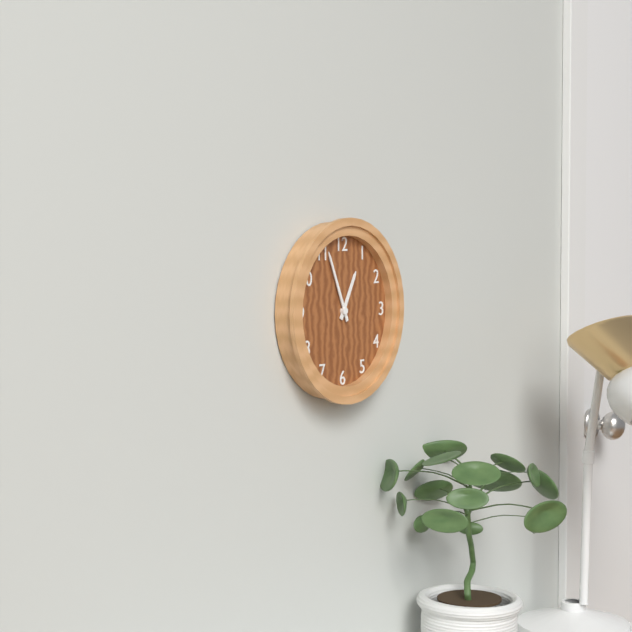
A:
12h56
